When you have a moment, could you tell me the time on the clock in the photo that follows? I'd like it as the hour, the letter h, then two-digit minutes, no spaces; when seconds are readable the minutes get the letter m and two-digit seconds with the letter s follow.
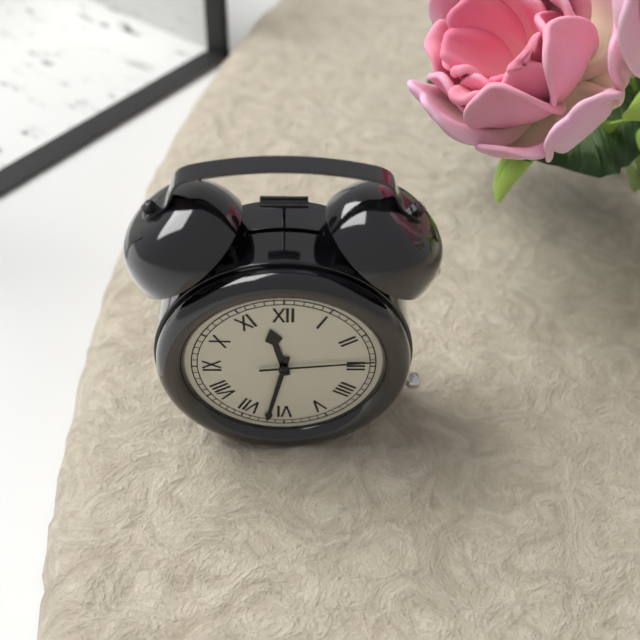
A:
11h32m14s
